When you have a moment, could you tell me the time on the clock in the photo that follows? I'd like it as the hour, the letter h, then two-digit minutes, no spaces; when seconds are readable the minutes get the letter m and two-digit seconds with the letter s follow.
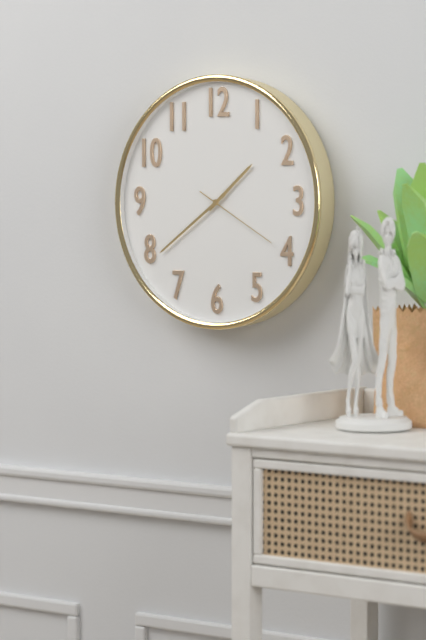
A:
1h39m20s
